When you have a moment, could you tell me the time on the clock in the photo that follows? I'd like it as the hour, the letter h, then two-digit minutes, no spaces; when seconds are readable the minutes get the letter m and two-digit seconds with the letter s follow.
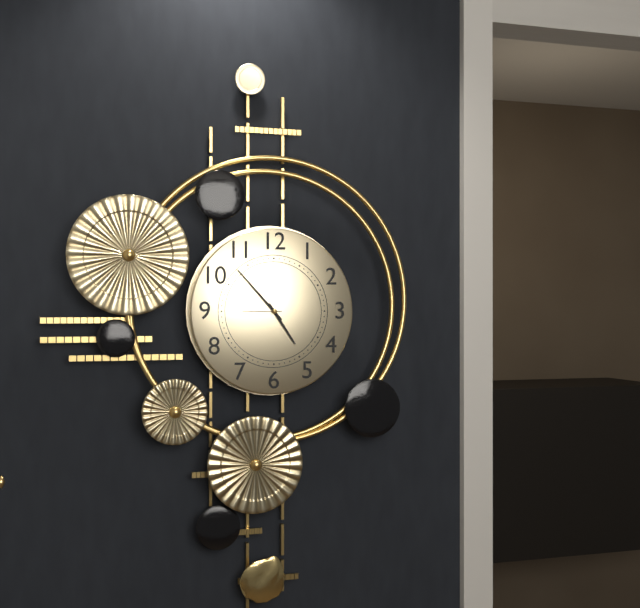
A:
4h53
